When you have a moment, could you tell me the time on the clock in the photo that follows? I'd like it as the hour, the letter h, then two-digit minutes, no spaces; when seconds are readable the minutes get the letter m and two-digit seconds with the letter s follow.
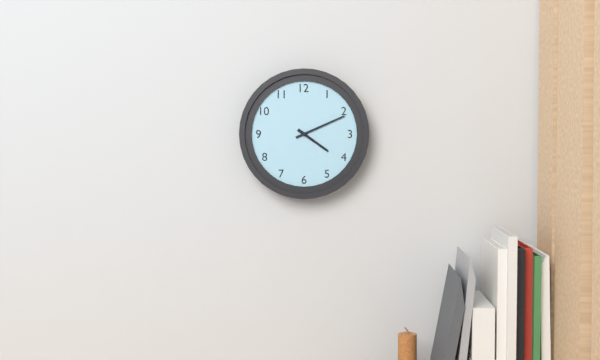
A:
4h11
